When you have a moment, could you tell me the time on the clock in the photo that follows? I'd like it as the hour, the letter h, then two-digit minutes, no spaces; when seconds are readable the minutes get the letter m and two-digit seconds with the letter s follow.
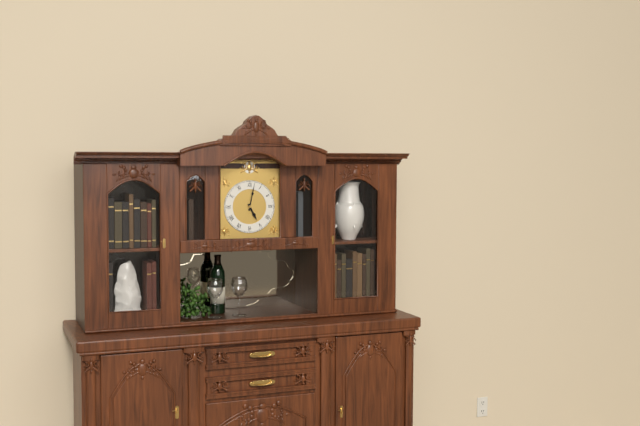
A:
5h02
